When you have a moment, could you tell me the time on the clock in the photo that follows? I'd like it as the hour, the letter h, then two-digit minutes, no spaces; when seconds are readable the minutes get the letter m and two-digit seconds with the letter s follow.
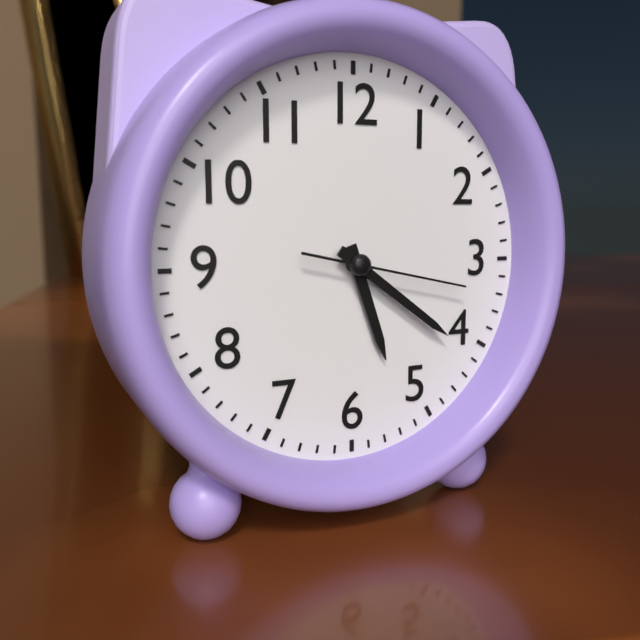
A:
5h21m17s
